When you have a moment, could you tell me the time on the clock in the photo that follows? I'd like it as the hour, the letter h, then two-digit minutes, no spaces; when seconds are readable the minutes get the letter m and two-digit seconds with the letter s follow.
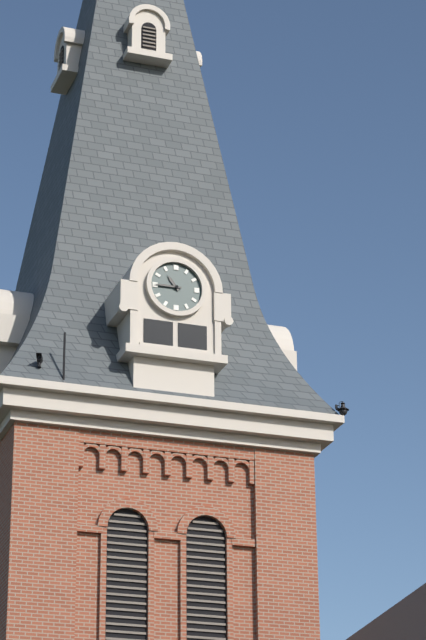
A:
10h45
